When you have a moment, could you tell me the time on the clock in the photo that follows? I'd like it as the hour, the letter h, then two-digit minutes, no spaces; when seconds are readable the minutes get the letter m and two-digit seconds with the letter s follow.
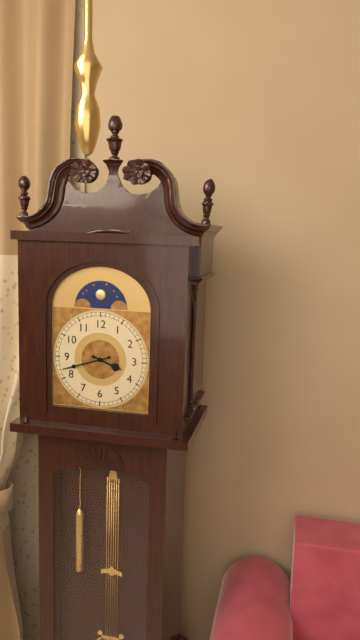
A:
3h42
